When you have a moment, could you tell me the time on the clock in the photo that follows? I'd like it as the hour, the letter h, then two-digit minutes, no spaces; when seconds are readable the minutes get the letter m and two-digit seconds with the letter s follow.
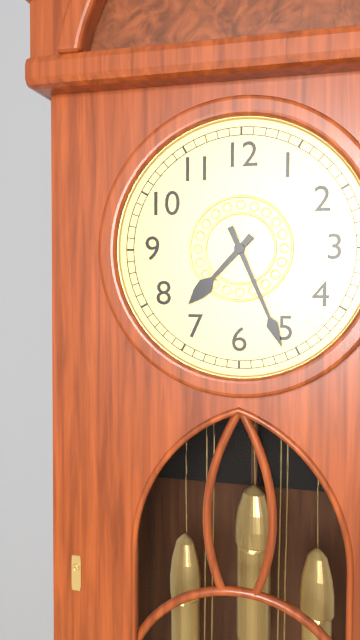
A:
7h26
